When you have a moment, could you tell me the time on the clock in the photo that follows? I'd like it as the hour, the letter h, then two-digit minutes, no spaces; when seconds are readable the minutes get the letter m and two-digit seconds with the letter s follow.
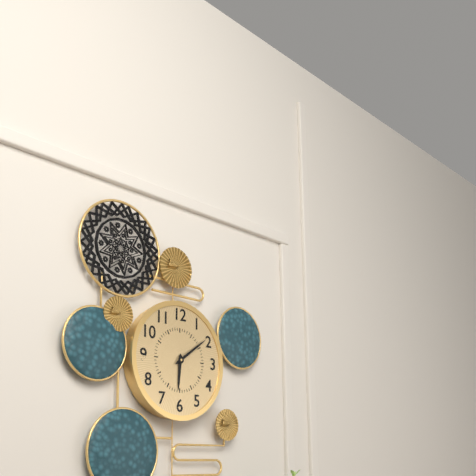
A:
6h09
